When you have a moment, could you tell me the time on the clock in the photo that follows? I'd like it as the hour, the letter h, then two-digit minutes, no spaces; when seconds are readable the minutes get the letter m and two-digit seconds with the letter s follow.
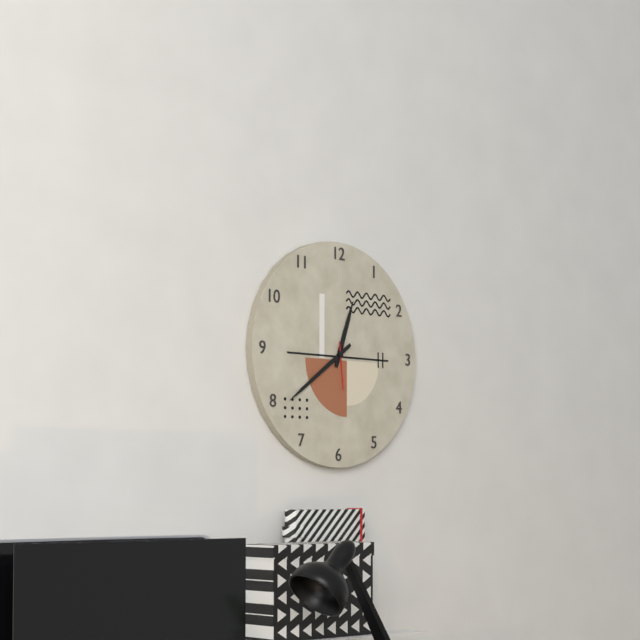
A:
12h39
